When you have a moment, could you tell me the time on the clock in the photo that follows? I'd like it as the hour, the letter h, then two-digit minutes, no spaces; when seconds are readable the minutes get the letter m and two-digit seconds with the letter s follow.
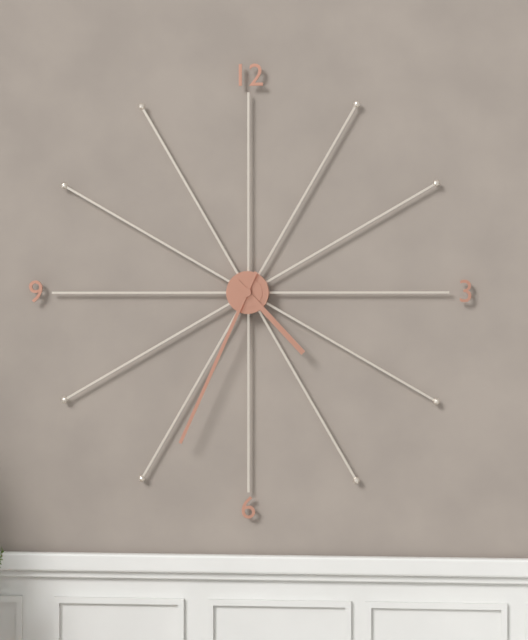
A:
4h34
